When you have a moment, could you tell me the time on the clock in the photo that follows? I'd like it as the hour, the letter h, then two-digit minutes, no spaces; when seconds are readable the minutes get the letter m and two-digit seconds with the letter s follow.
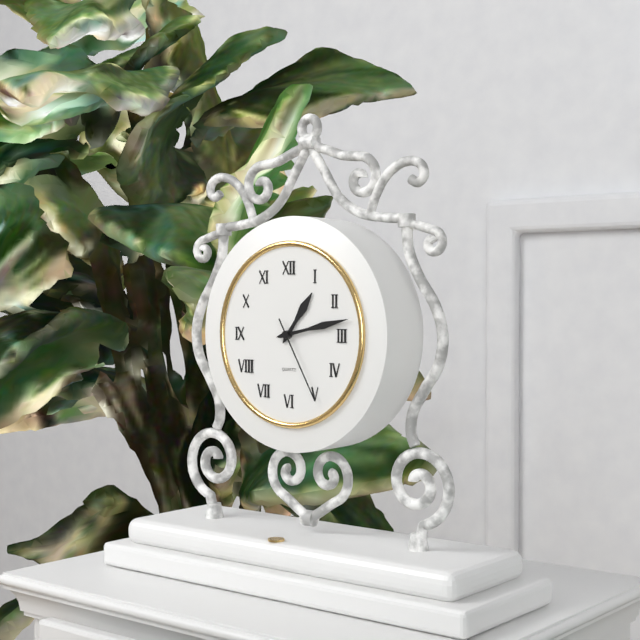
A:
1h13m25s
